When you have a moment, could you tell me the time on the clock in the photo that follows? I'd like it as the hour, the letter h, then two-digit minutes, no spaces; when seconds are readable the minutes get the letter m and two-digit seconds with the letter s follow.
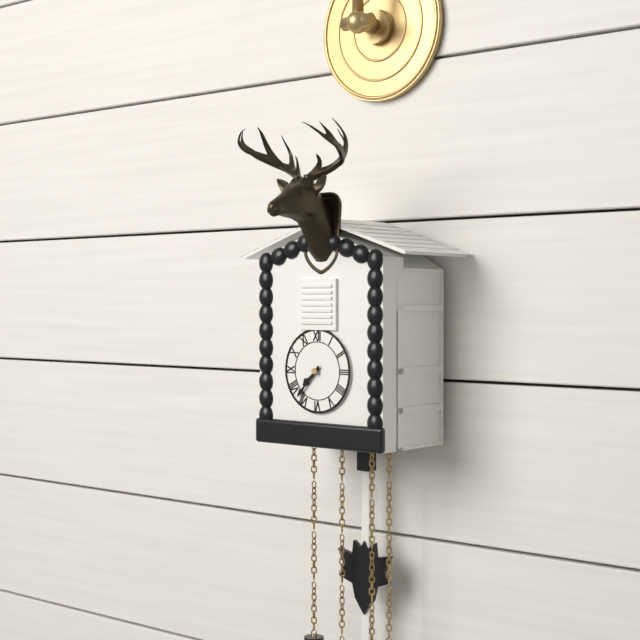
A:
7h37
